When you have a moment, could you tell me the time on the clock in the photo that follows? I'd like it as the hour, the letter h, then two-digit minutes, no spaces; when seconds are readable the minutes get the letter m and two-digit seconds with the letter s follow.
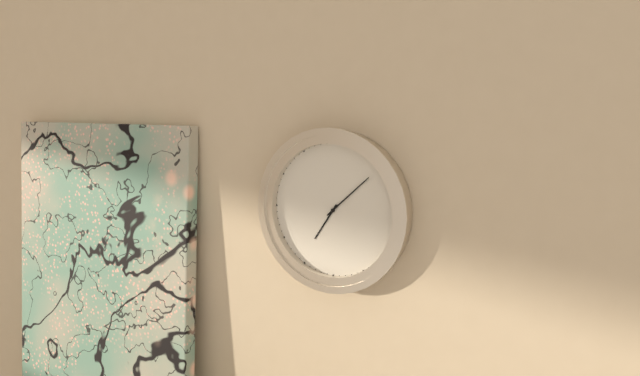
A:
7h08
